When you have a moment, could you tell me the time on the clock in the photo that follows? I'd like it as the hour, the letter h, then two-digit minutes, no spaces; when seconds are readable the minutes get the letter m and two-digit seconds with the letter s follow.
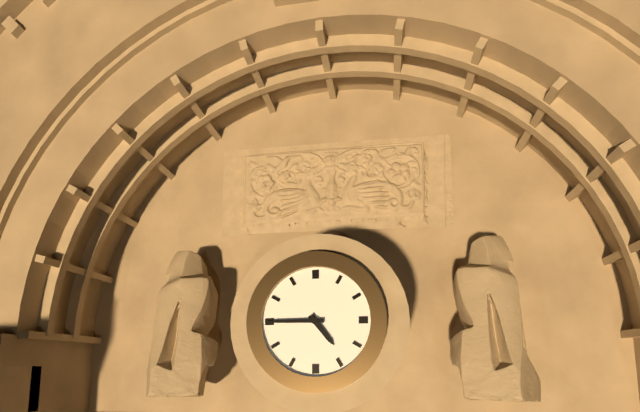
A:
4h45
